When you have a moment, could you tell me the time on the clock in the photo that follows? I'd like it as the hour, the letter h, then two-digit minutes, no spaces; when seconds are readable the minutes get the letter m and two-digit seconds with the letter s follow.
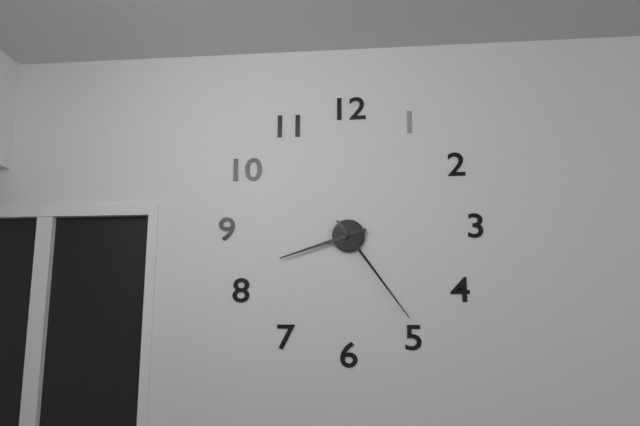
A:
8h24
